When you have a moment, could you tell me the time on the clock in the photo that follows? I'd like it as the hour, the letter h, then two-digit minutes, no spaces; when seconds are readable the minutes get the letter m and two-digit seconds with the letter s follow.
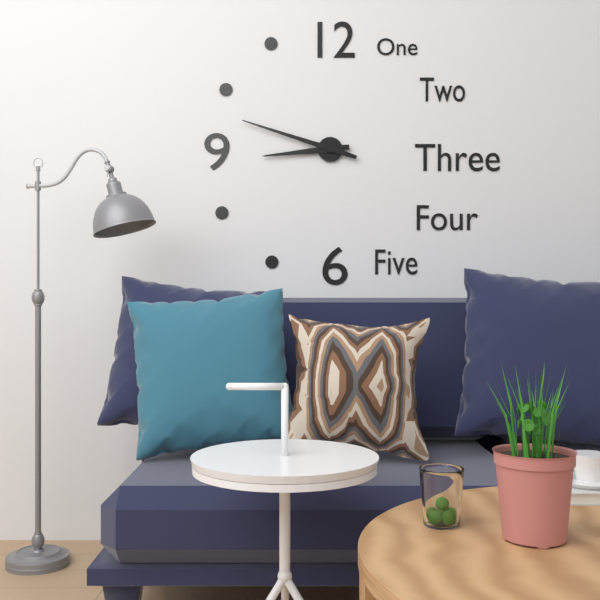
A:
8h48
